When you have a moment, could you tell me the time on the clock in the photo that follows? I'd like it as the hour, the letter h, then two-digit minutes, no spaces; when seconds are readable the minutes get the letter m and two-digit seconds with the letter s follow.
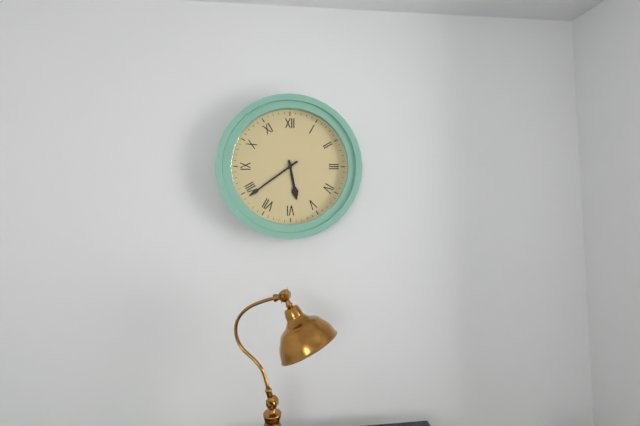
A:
5h39
